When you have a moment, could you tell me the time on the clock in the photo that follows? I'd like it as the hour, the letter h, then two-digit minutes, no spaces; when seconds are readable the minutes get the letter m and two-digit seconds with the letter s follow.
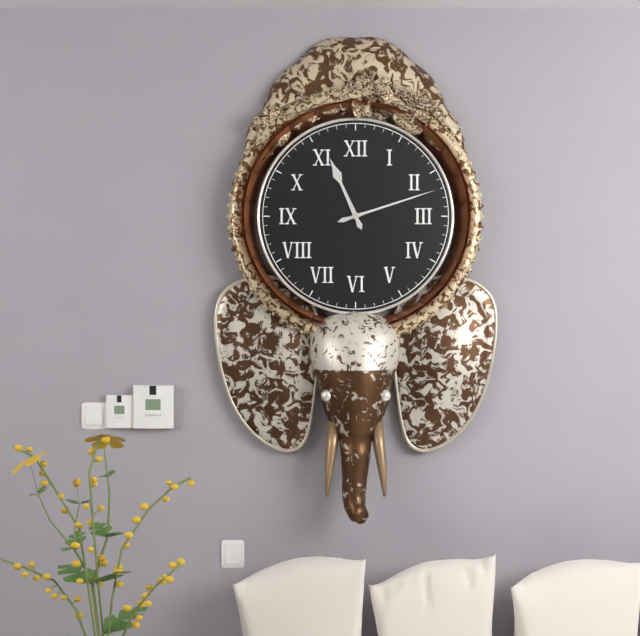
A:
11h12
